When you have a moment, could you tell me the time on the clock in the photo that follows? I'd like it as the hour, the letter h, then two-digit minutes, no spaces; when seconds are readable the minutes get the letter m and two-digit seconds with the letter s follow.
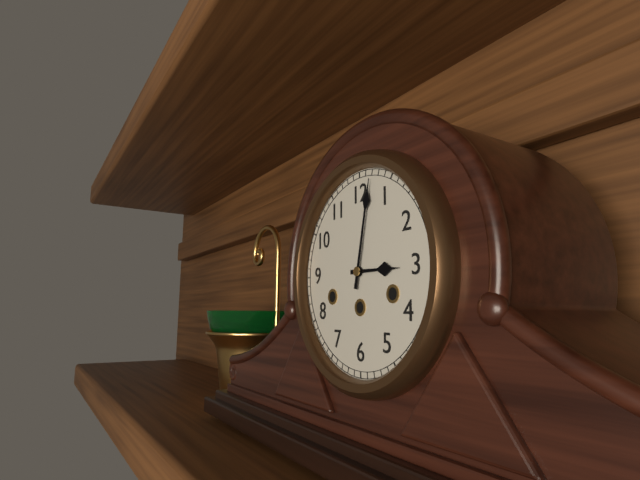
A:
3h02
